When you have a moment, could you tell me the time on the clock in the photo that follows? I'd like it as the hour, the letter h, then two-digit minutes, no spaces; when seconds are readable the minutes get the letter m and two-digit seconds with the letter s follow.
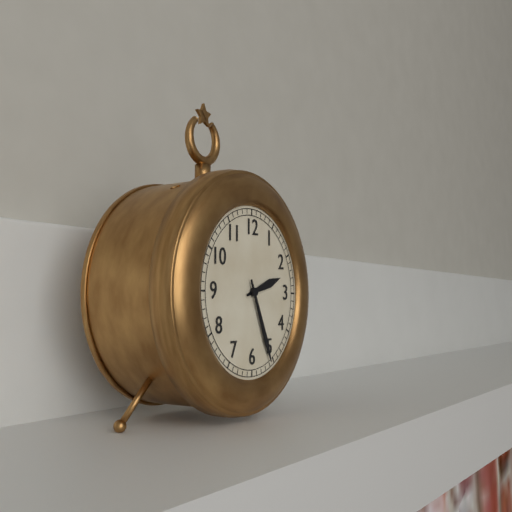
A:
2h26
